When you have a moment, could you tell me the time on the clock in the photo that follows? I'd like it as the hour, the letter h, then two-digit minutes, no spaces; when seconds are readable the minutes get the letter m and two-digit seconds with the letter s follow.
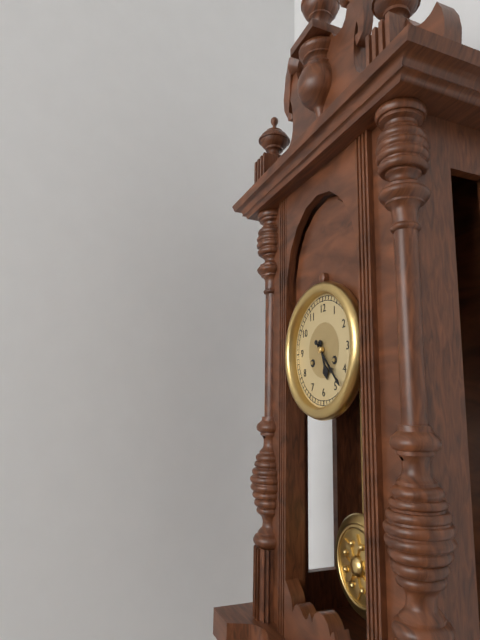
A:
5h23
